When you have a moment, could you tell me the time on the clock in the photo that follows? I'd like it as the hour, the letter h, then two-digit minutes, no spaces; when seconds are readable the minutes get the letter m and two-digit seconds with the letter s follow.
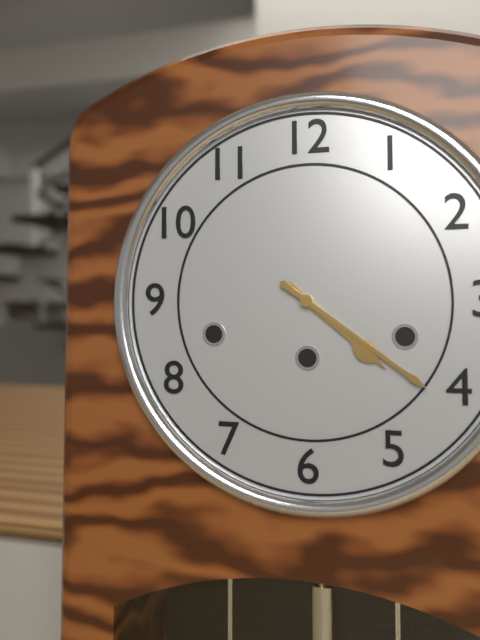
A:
4h21
